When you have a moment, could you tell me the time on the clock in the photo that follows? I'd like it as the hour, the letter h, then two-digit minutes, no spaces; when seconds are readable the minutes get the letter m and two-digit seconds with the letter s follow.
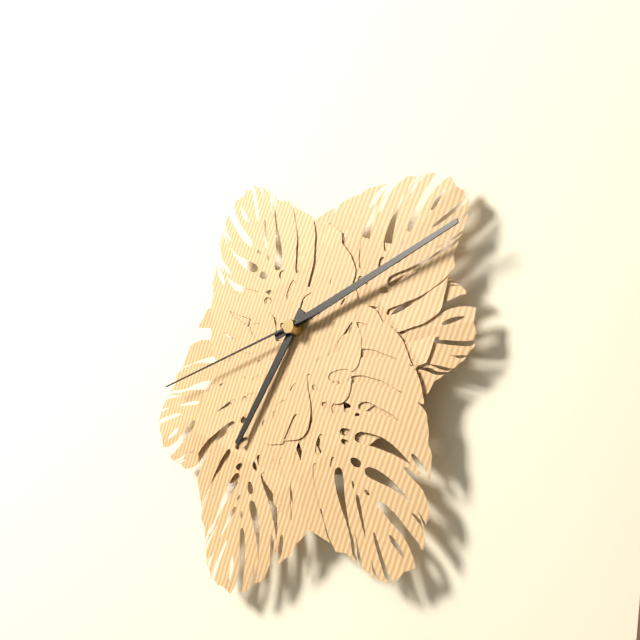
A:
7h12m43s
